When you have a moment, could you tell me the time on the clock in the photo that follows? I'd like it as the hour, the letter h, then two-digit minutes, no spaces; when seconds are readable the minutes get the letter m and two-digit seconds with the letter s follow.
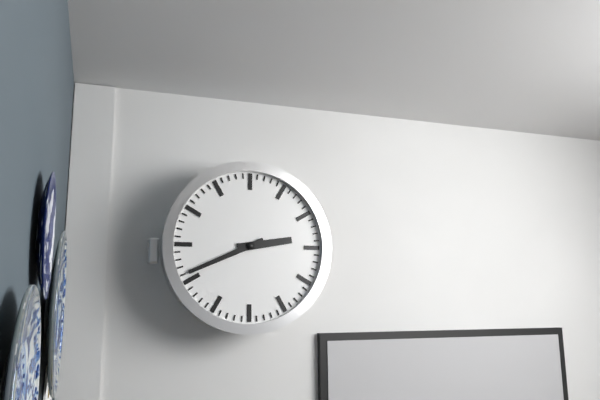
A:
2h41
